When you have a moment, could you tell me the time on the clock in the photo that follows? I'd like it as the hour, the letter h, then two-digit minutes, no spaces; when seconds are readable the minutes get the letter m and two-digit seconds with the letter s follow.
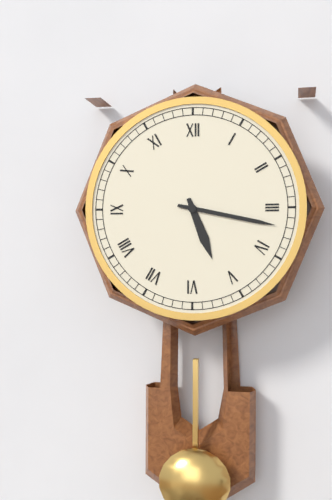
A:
5h17
